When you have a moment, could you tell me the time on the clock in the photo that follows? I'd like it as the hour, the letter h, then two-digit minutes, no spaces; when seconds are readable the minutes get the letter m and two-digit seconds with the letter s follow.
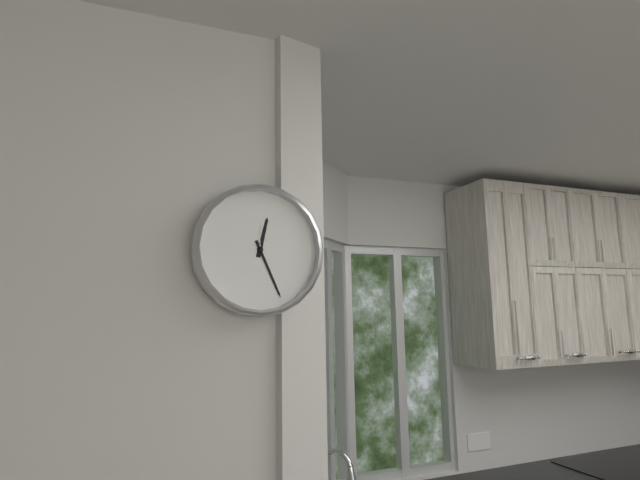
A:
12h26
